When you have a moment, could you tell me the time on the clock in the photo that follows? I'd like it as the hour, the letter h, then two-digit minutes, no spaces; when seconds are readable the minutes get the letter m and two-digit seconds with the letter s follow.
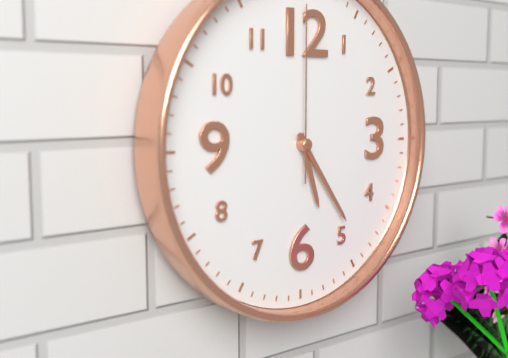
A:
5h24m00s
